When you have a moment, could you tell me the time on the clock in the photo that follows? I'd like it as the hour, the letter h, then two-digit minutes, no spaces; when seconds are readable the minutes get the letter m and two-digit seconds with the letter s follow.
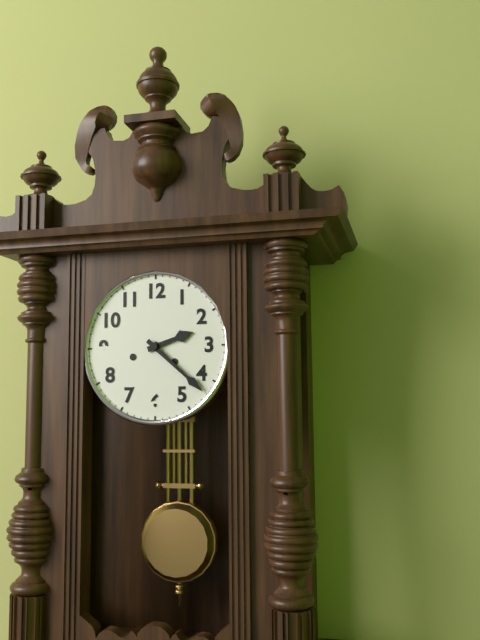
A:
2h22
